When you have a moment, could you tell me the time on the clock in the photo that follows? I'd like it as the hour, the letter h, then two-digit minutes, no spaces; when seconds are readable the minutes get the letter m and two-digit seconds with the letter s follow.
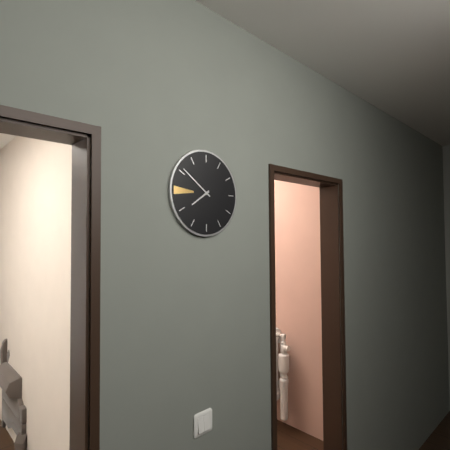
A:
7h51
